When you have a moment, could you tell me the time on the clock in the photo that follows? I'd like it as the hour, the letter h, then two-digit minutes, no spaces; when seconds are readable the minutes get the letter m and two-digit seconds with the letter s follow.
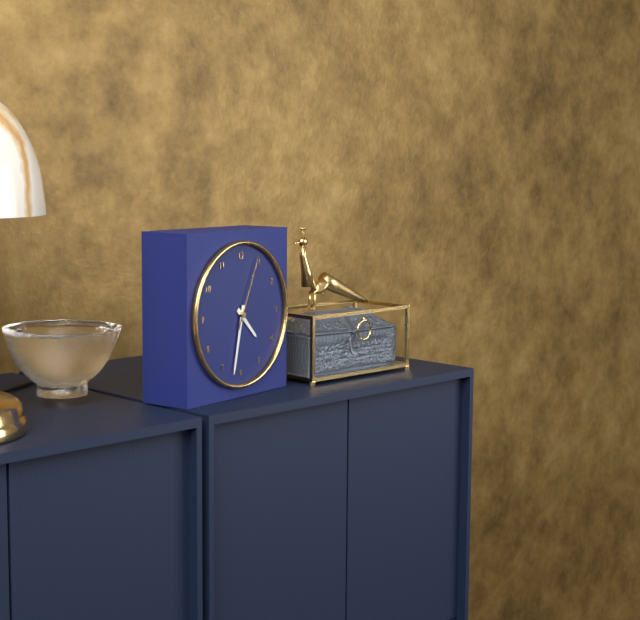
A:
4h32m04s
